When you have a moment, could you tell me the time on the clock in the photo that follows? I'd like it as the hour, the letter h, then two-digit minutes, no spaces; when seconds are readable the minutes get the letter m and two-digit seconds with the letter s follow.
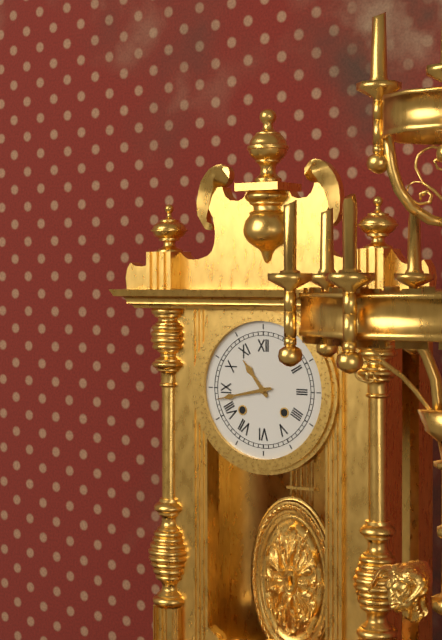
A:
10h43
